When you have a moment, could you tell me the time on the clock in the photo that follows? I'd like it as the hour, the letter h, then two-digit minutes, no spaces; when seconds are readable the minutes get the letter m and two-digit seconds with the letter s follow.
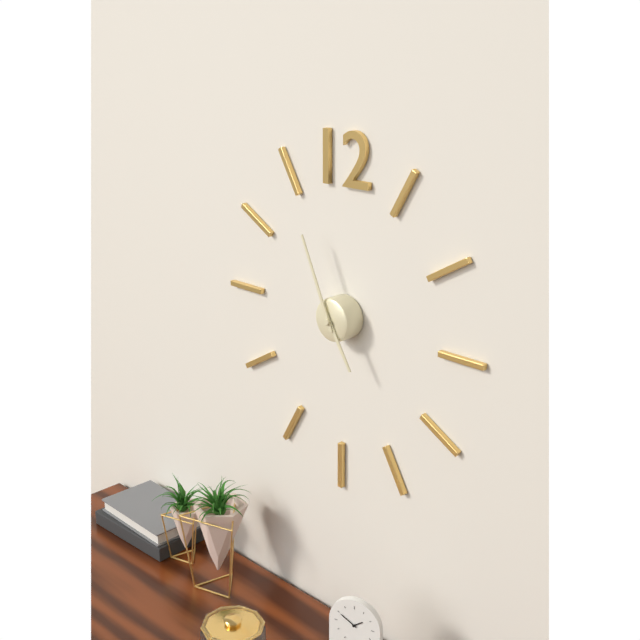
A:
4h56
